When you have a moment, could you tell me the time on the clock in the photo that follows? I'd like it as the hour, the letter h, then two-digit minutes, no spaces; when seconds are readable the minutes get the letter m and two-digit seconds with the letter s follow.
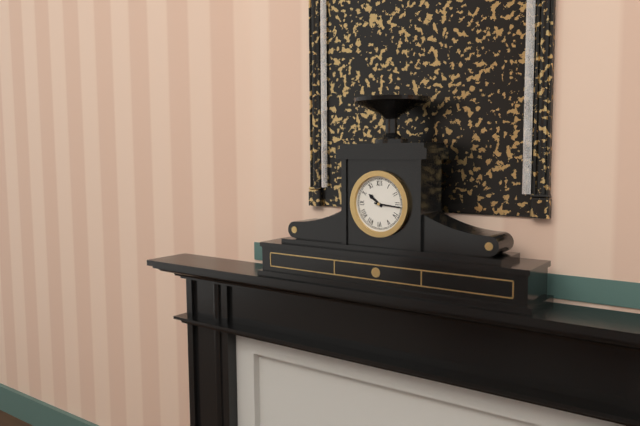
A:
10h16
